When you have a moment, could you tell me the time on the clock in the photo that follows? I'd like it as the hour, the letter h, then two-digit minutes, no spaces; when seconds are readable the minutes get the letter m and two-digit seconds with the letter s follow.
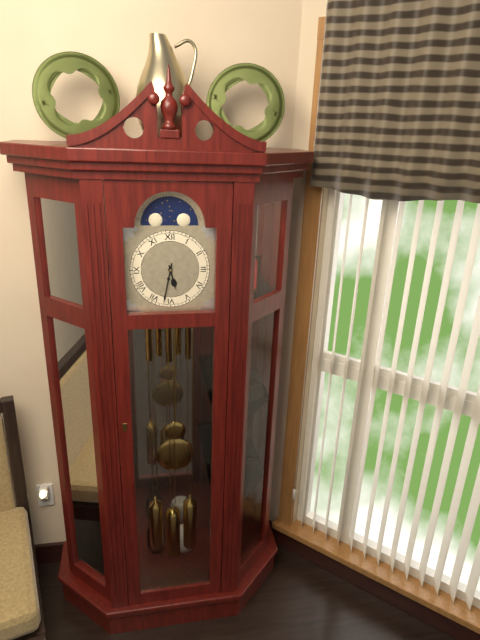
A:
5h32
